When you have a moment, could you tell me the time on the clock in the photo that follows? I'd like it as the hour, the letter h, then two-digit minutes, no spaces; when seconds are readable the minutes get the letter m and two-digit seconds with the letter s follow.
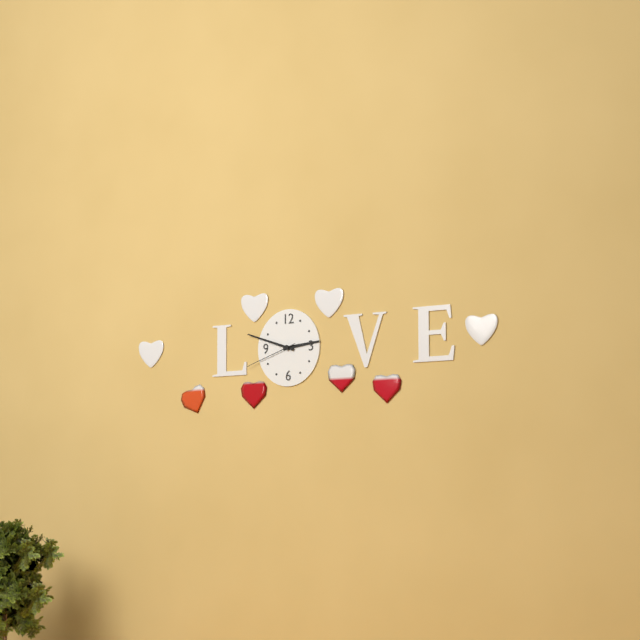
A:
2h48m42s
